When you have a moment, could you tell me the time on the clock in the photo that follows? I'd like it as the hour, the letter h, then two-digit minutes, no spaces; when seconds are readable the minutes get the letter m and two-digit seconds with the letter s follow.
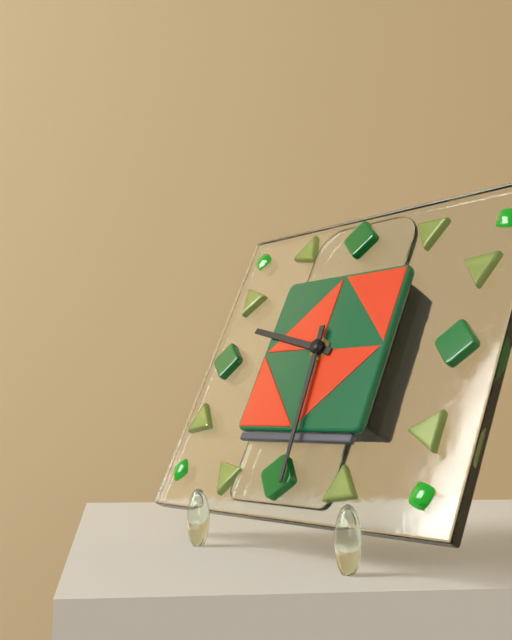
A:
9h29
